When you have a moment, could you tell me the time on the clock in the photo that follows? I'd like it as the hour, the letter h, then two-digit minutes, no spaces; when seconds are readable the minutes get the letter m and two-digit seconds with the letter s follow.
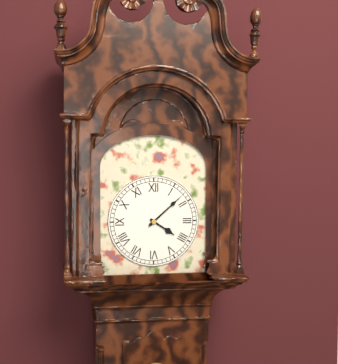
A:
4h08
